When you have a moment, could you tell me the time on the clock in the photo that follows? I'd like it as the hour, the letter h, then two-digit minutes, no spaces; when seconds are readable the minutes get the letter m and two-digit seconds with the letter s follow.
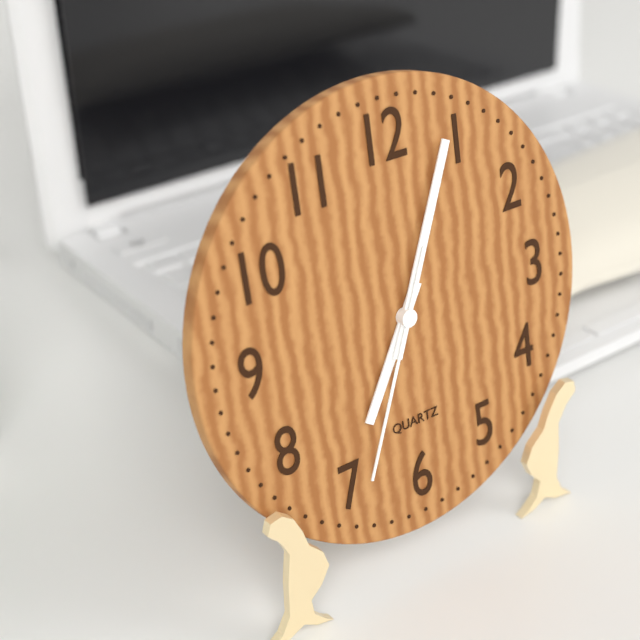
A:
7h04m34s
